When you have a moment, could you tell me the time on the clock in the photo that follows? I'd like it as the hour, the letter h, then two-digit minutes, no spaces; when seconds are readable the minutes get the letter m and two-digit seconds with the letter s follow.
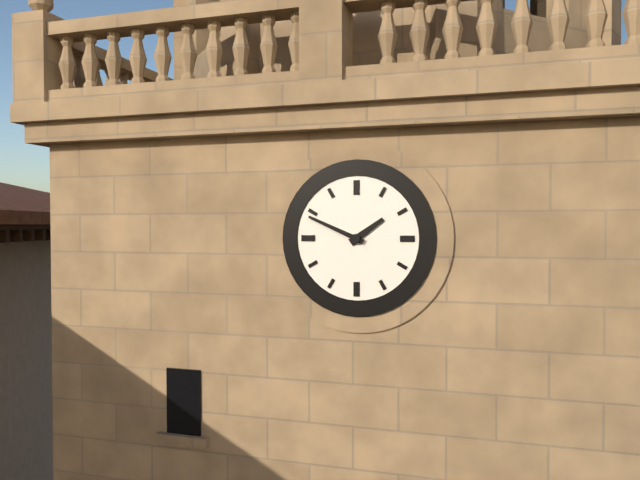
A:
1h49
